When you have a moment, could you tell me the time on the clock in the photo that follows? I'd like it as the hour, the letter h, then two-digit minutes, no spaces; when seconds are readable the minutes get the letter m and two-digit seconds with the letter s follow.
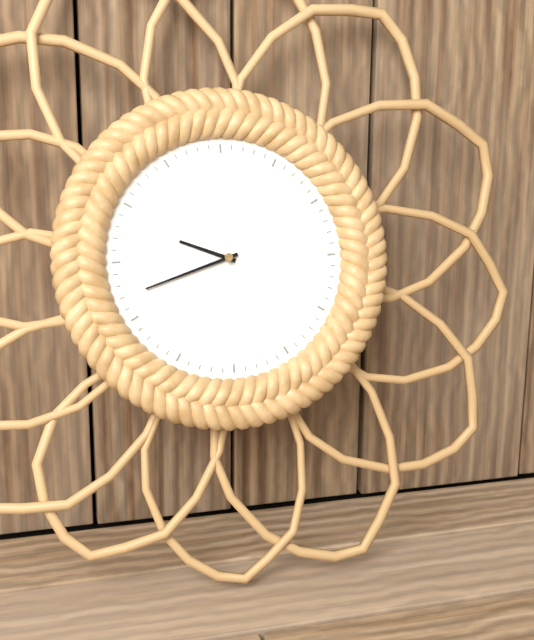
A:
9h42
